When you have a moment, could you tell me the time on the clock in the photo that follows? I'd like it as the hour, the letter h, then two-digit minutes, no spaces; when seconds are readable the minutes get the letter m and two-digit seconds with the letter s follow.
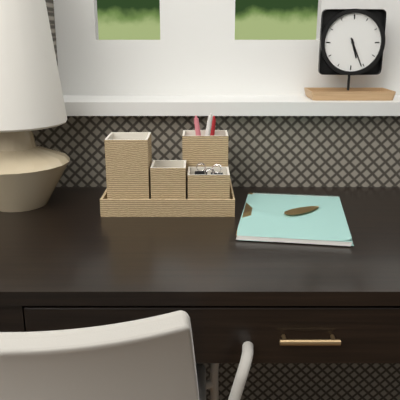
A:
5h26
